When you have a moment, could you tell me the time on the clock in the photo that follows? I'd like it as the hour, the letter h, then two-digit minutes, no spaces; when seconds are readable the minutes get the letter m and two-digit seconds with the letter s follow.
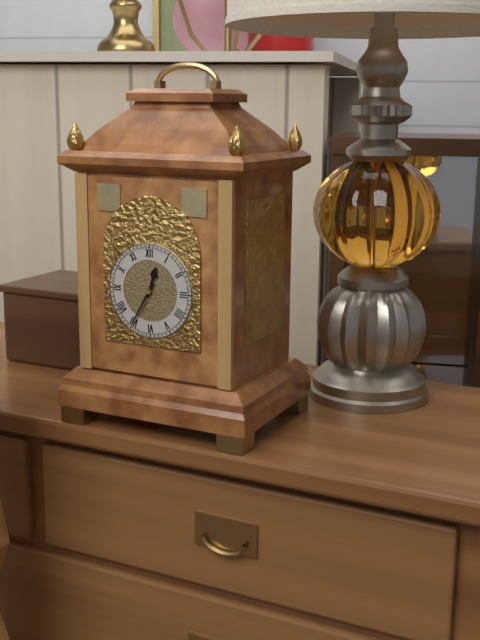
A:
12h35
